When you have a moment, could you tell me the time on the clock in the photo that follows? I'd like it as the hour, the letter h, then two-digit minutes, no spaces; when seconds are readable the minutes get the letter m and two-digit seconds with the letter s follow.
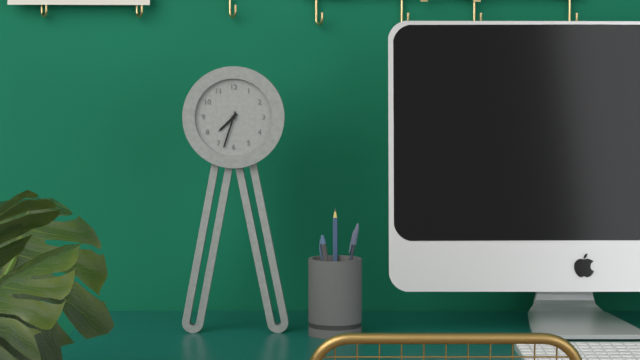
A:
7h33
